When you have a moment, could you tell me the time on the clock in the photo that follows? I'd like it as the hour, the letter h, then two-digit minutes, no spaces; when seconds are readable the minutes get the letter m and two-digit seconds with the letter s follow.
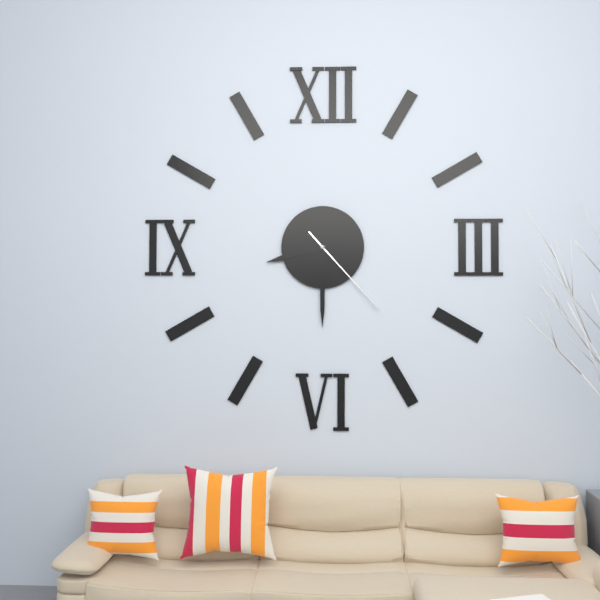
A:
8h30m23s
